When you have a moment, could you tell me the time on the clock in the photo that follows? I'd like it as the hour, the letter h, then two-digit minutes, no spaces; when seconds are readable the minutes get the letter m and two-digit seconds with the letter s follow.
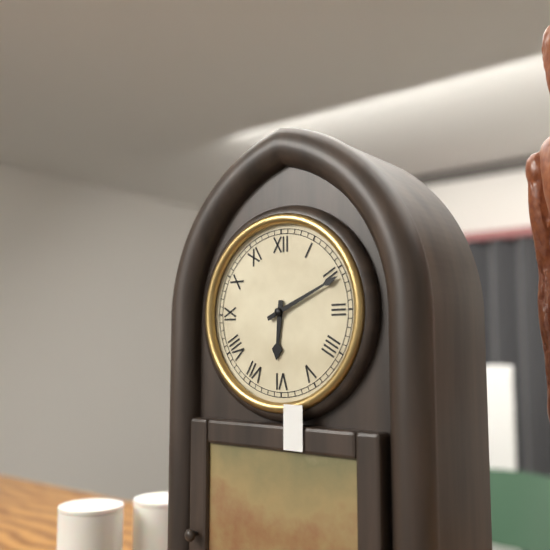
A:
6h11
